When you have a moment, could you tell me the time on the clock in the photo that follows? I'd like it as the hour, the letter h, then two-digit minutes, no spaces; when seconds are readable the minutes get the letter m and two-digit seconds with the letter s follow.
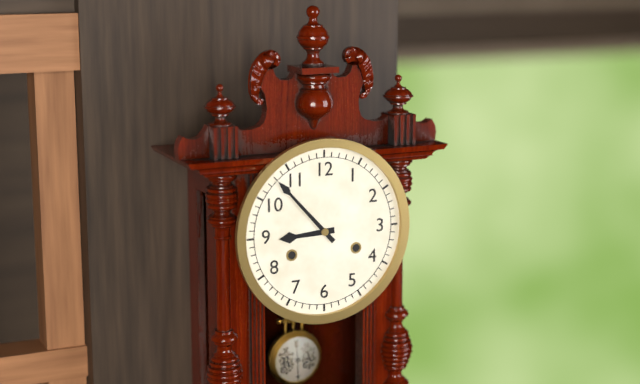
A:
8h53
